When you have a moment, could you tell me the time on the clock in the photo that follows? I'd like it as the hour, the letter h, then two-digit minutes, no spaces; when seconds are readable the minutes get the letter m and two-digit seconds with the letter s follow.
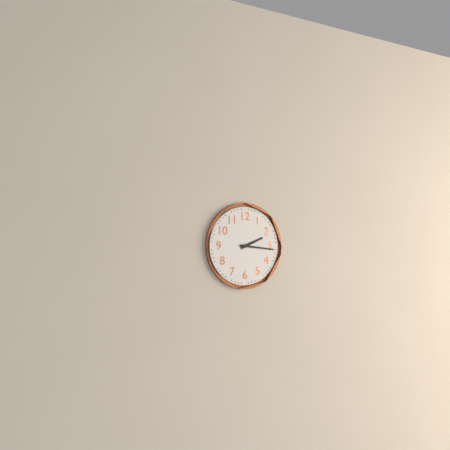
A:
2h16
